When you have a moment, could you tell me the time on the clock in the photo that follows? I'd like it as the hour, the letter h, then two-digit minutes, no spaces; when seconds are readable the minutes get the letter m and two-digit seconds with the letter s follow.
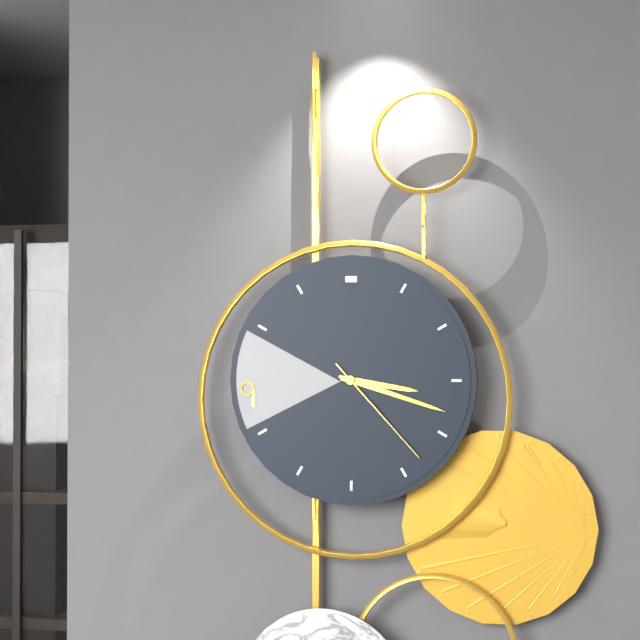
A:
3h18m23s
